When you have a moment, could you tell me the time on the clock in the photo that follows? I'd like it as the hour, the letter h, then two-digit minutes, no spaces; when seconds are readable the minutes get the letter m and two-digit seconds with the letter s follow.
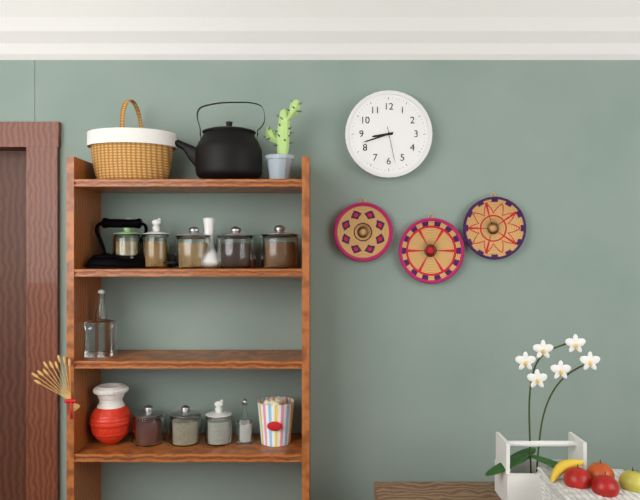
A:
8h42
